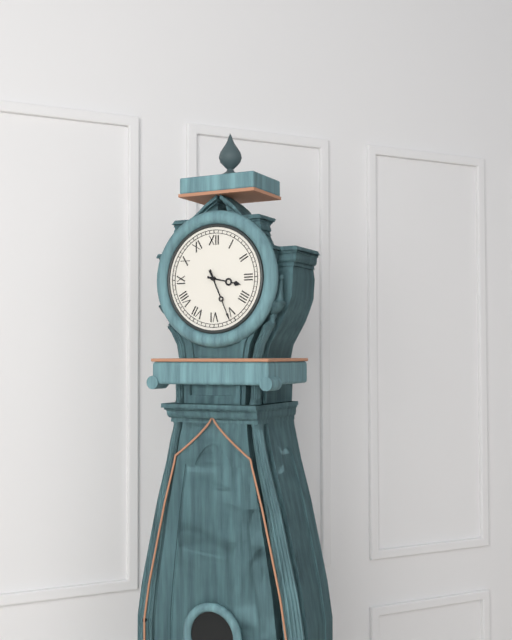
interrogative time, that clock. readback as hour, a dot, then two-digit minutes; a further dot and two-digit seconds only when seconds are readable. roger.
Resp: 3.26
